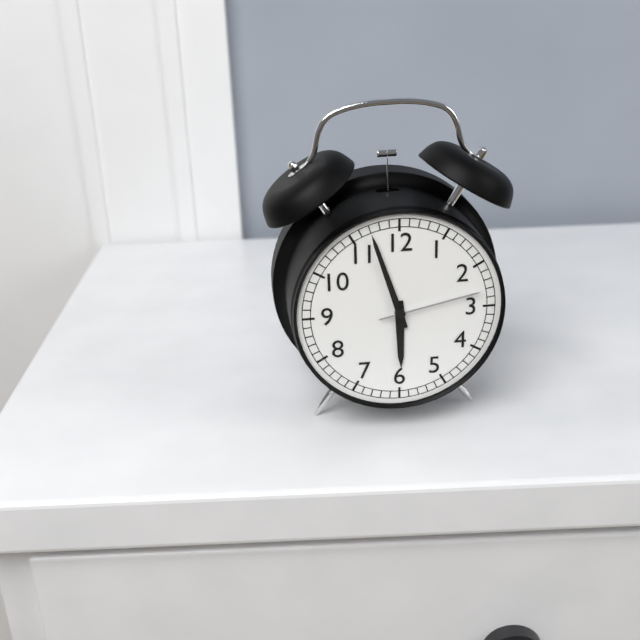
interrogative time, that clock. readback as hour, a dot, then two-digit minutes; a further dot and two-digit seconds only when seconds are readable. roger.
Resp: 5.57.13
